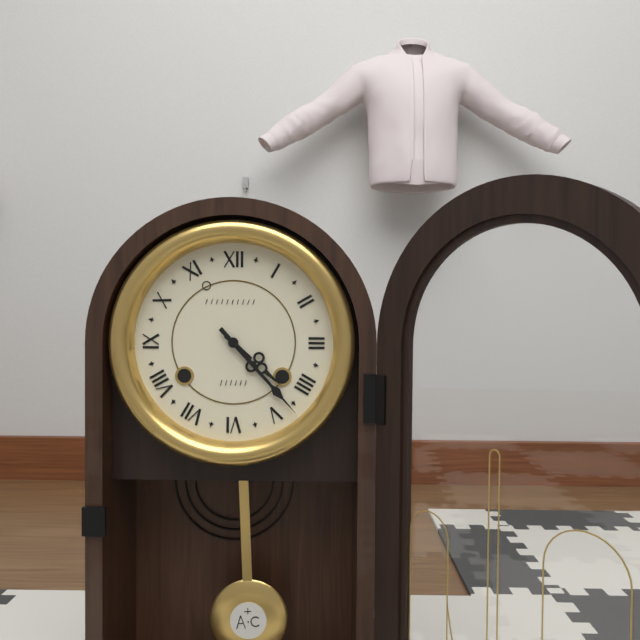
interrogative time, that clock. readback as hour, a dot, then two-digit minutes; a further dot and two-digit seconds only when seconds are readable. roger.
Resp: 4.23
